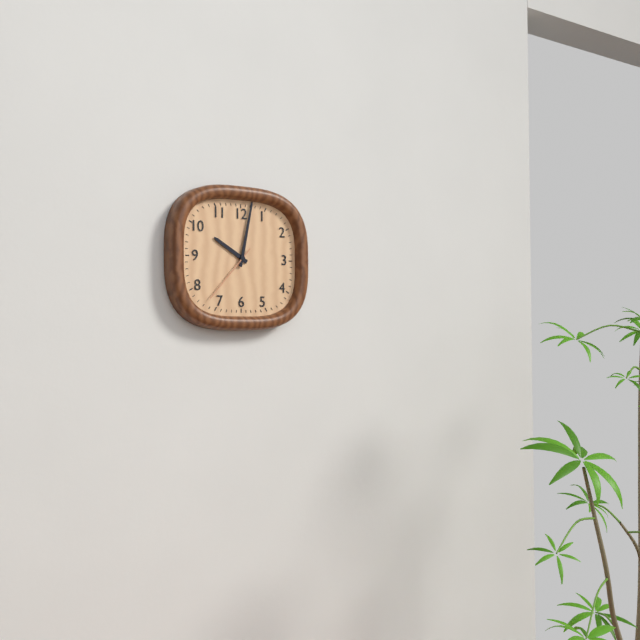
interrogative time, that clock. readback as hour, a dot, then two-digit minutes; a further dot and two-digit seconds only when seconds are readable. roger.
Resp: 10.02.37
